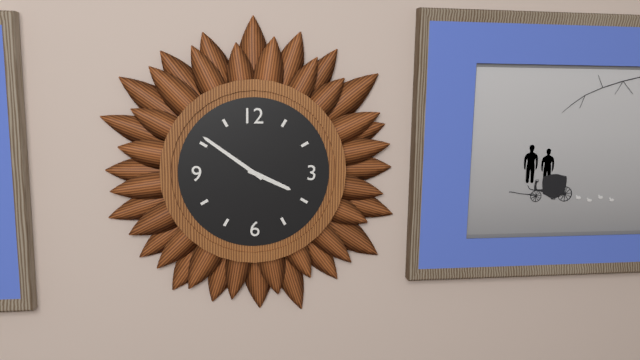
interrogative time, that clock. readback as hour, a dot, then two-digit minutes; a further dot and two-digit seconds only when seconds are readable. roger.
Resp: 3.51
